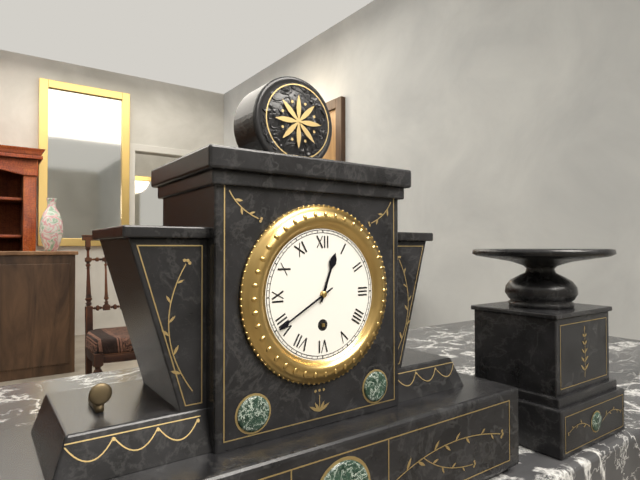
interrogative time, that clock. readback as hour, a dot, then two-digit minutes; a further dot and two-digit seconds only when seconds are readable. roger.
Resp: 12.40
